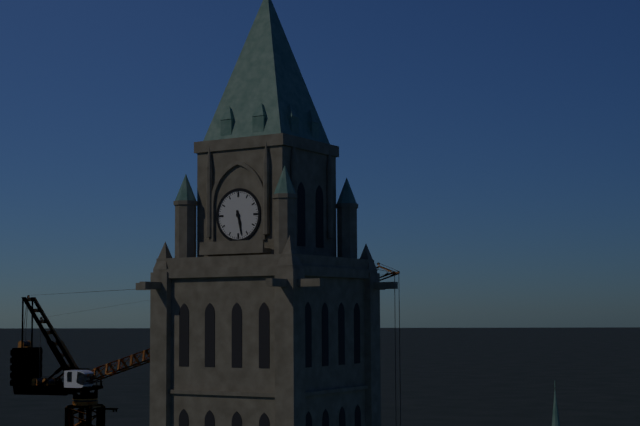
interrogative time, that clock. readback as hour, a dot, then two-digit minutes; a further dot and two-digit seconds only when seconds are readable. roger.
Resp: 5.28
